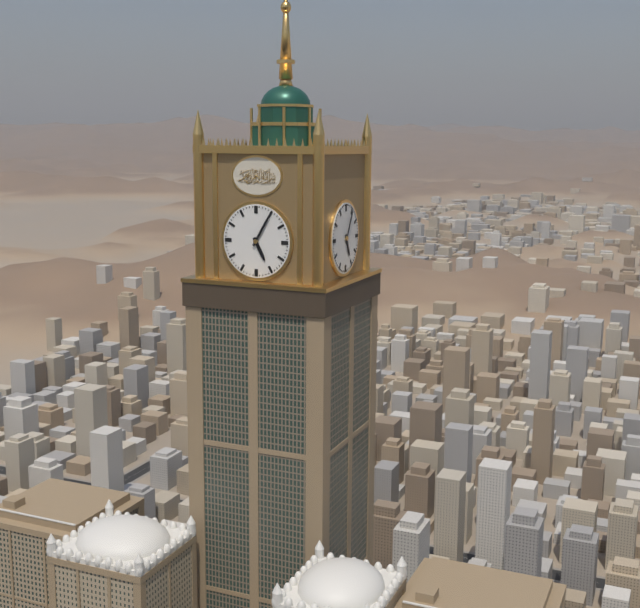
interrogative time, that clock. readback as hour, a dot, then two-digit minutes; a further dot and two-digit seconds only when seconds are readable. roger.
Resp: 5.05
